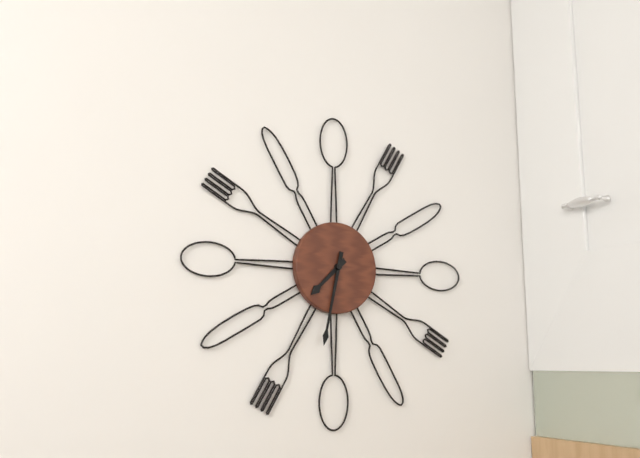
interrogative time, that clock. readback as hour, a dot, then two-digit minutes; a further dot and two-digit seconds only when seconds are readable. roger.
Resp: 7.32
